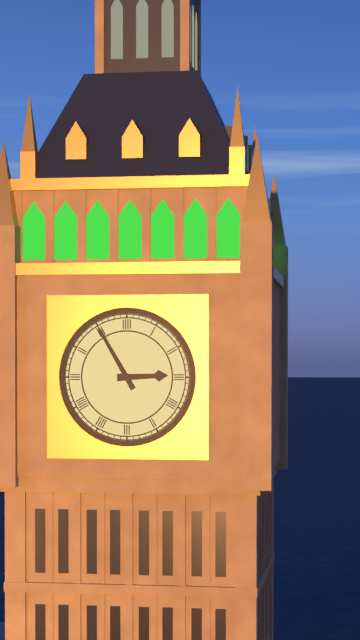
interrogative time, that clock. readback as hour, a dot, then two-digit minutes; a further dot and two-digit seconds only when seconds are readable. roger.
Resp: 2.55
